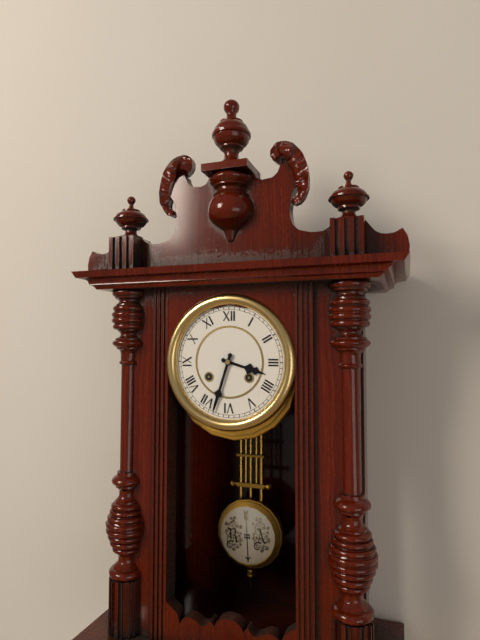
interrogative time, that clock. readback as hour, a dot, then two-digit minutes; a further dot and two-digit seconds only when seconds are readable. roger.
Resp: 3.33
